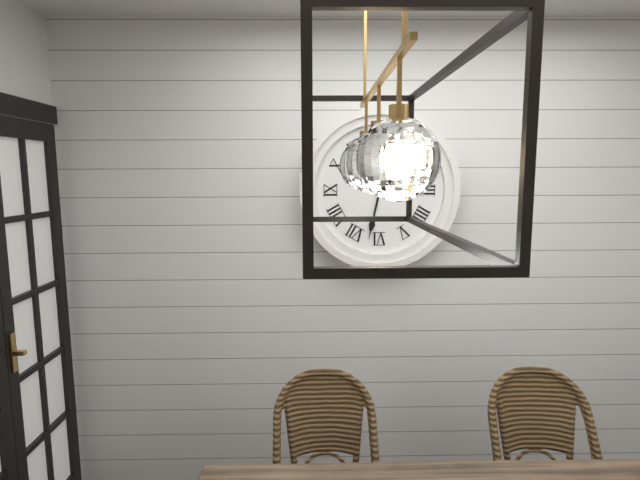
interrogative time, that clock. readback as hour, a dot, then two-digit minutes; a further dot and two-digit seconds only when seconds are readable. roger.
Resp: 2.32
